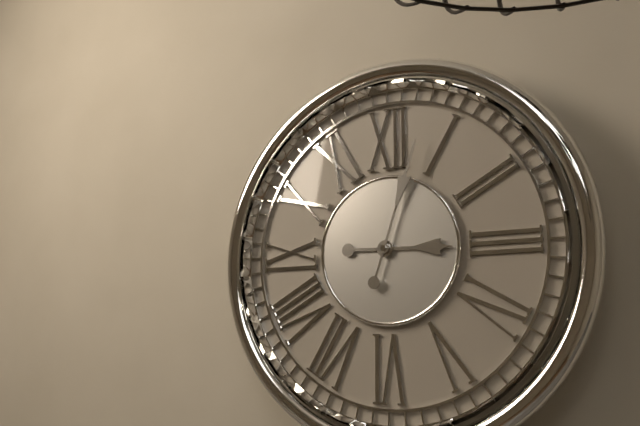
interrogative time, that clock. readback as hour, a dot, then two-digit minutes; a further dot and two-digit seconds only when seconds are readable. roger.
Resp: 3.03
